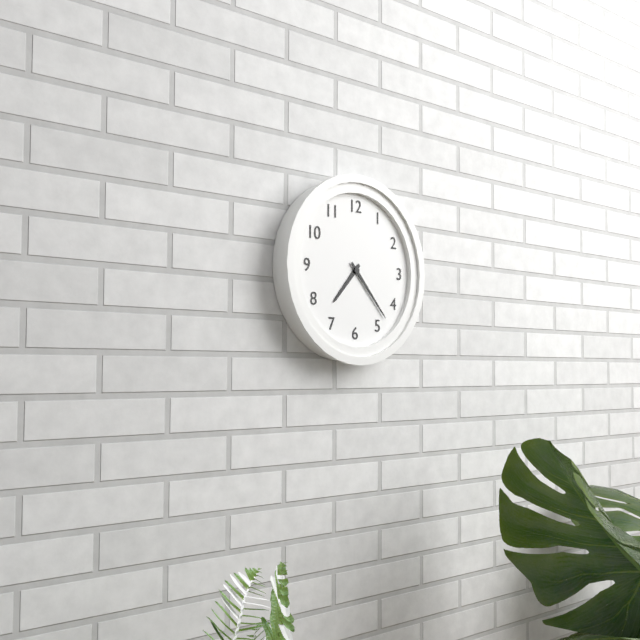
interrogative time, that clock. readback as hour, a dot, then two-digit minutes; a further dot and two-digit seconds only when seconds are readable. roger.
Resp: 7.23
